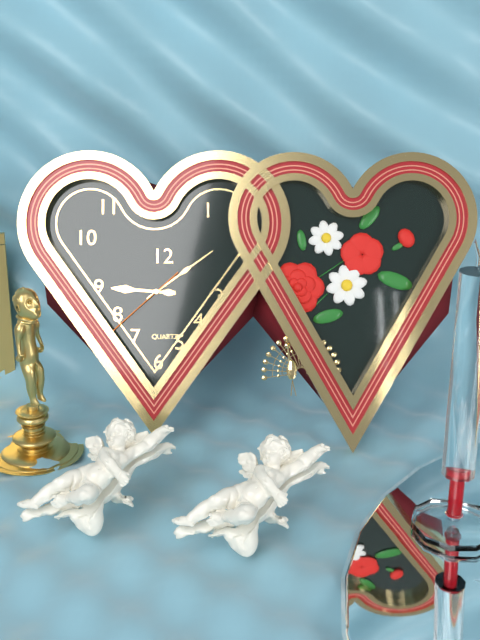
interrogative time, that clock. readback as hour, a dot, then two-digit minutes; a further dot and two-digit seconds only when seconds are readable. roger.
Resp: 9.09.38
